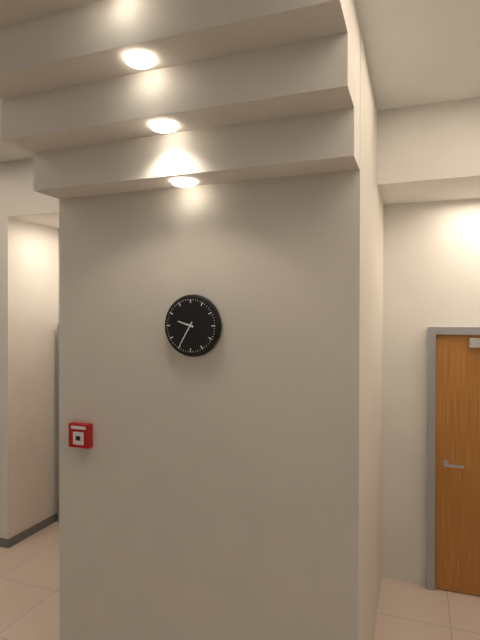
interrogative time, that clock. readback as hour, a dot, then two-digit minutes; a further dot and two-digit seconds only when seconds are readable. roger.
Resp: 9.35
